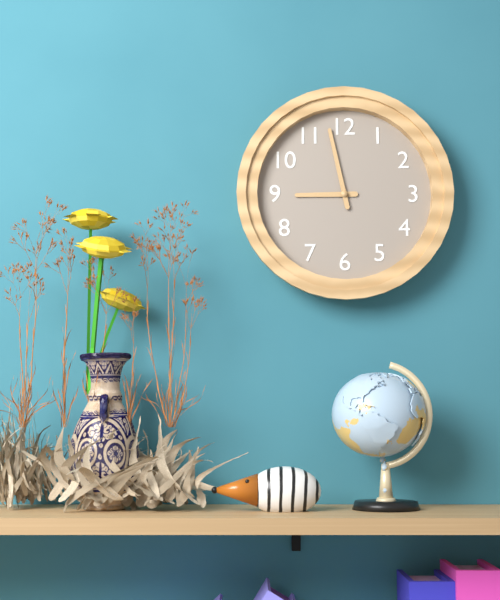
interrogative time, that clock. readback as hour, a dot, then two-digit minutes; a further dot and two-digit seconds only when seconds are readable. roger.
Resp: 8.58
